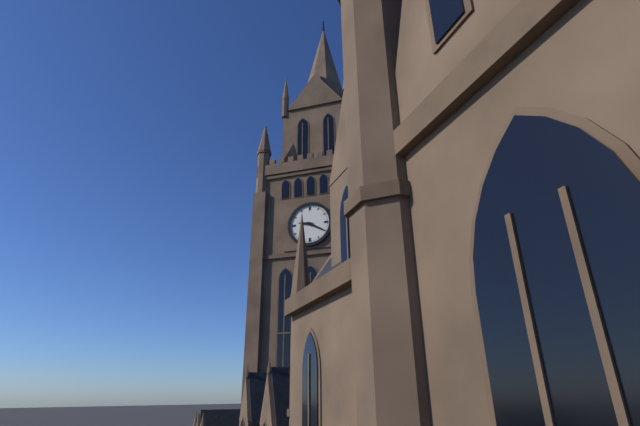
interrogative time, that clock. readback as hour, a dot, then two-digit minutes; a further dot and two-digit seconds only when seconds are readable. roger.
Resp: 9.20
